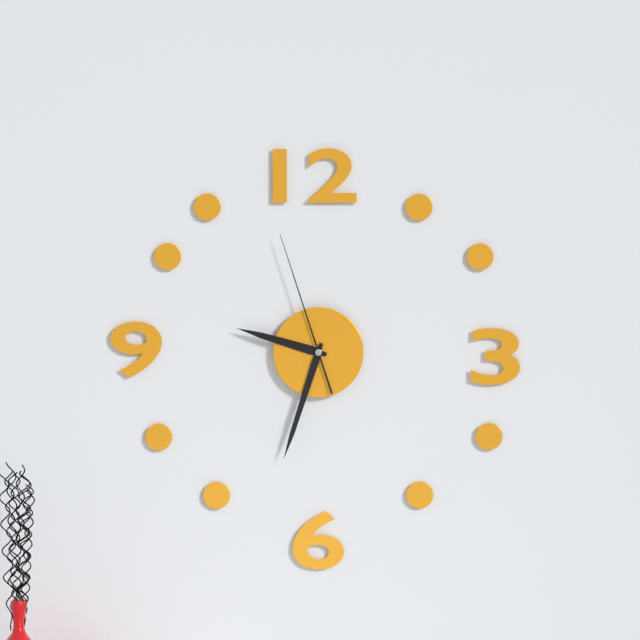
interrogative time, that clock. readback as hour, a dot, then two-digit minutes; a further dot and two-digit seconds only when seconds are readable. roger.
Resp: 9.33.57
